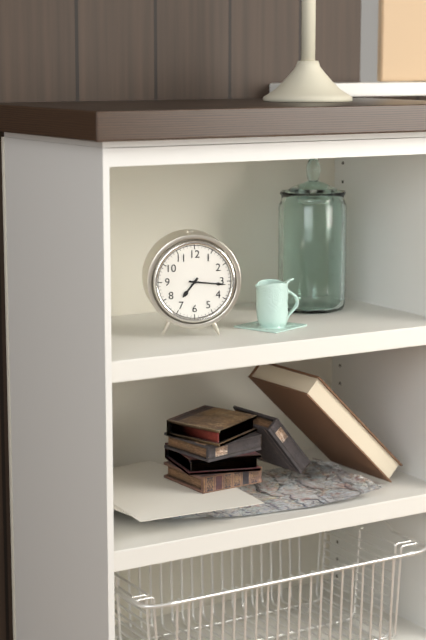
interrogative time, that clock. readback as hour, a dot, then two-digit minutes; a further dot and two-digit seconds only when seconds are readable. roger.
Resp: 7.16
